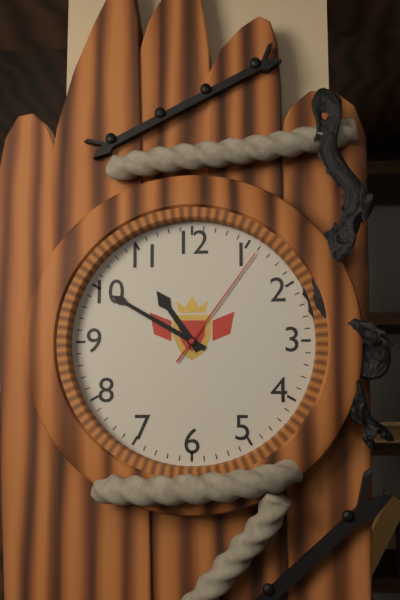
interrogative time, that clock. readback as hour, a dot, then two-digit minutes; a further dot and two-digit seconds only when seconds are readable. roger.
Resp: 10.50.06
